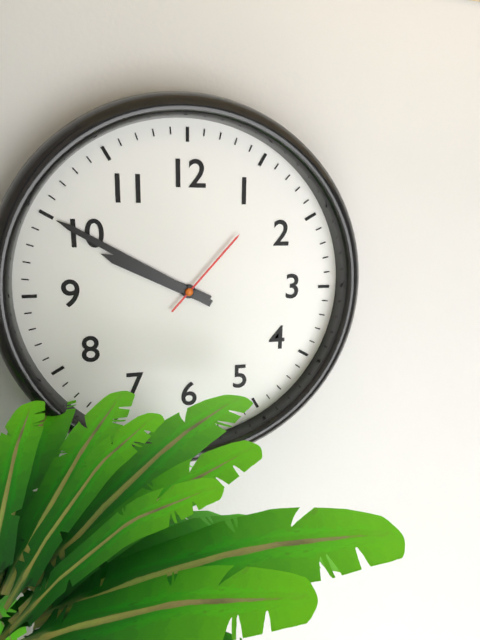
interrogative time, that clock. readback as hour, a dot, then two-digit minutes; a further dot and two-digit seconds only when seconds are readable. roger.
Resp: 9.50.07
